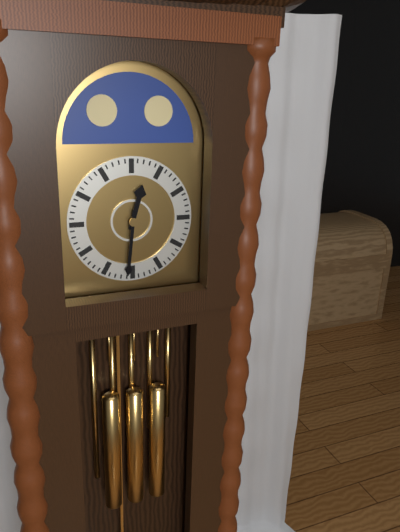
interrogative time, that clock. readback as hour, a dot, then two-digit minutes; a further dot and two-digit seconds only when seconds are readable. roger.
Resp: 12.31
